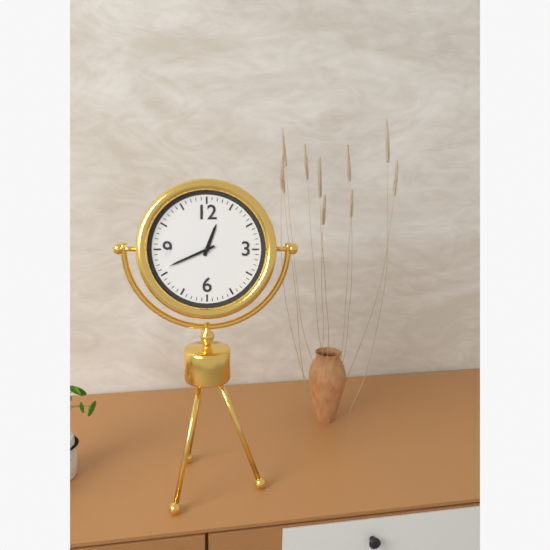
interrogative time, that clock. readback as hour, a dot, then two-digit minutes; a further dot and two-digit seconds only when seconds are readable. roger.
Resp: 12.41
